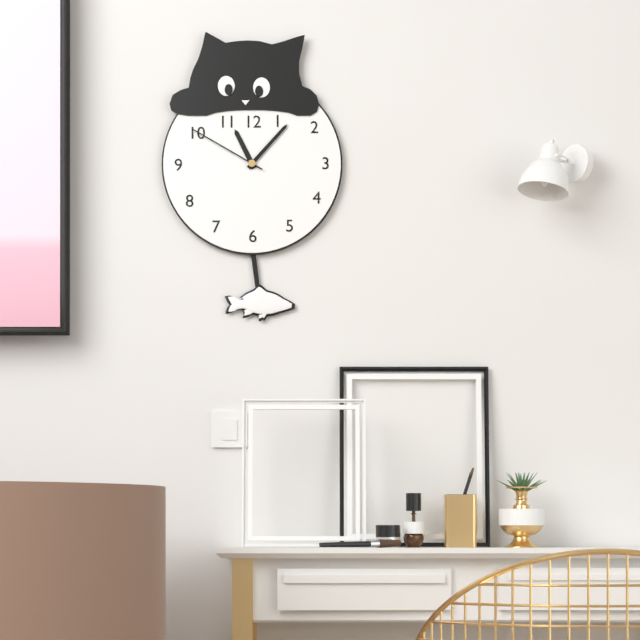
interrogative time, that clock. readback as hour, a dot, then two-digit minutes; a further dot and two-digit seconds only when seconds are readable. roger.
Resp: 11.07.50
